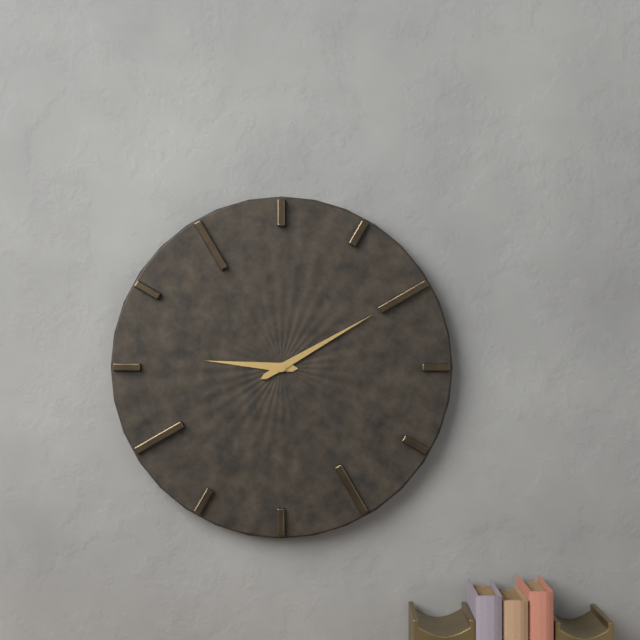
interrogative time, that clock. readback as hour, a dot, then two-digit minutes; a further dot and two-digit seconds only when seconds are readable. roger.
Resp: 9.10
